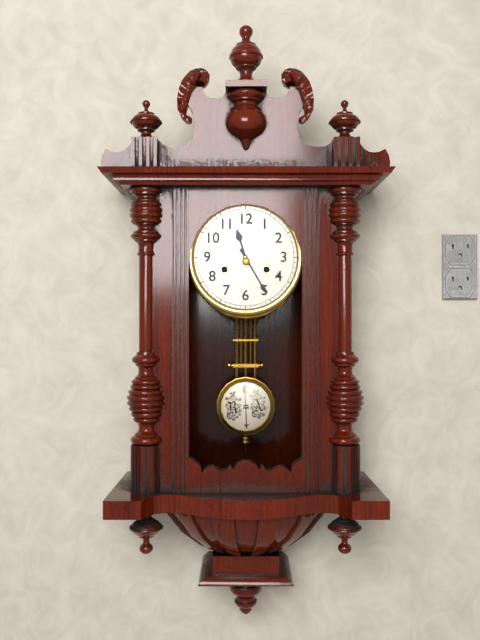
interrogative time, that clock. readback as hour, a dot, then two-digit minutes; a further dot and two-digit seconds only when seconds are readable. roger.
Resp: 11.25
